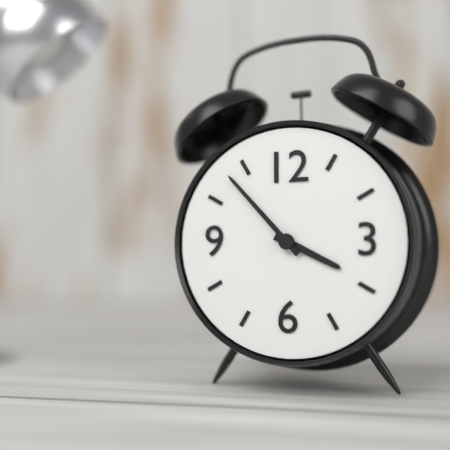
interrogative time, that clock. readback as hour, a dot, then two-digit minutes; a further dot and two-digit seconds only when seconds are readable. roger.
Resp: 3.53
